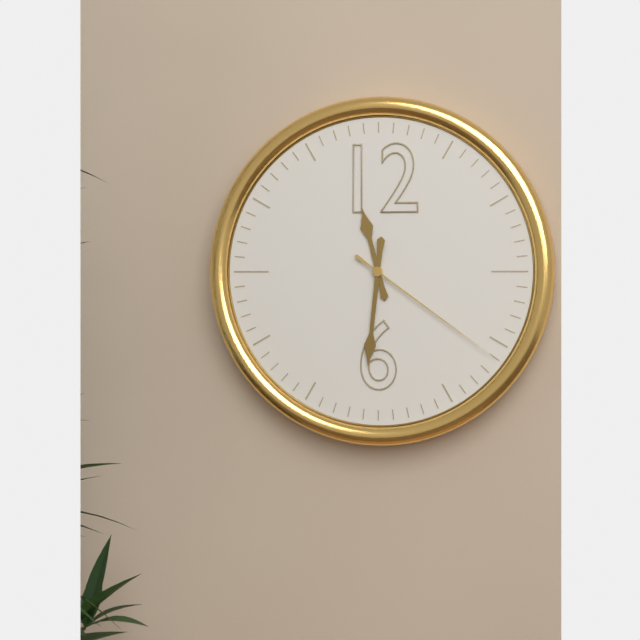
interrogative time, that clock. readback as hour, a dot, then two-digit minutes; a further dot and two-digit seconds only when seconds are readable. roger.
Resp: 11.31.21
